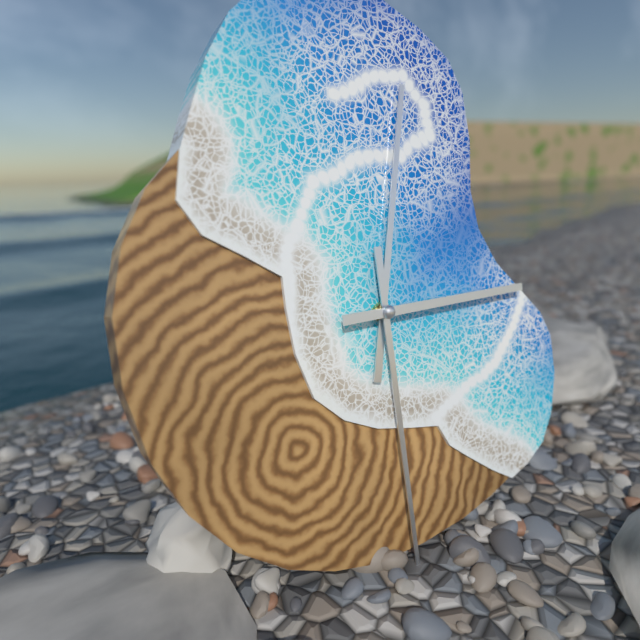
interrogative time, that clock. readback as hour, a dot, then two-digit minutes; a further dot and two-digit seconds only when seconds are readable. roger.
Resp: 12.30.15
